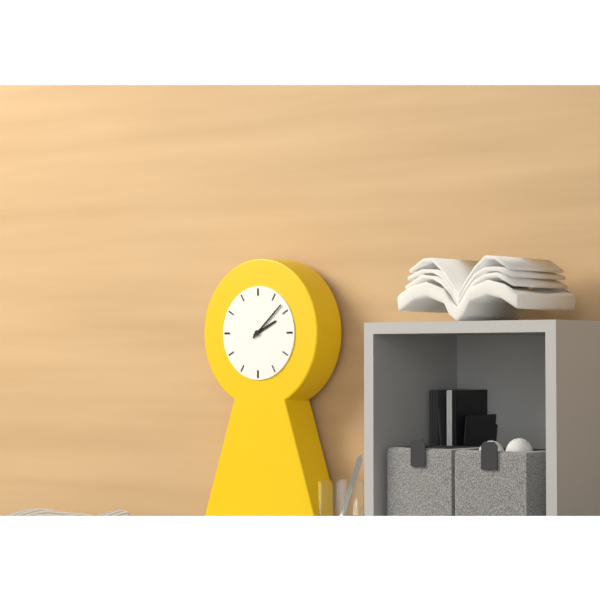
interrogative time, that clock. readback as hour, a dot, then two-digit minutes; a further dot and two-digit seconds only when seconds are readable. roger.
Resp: 2.08
